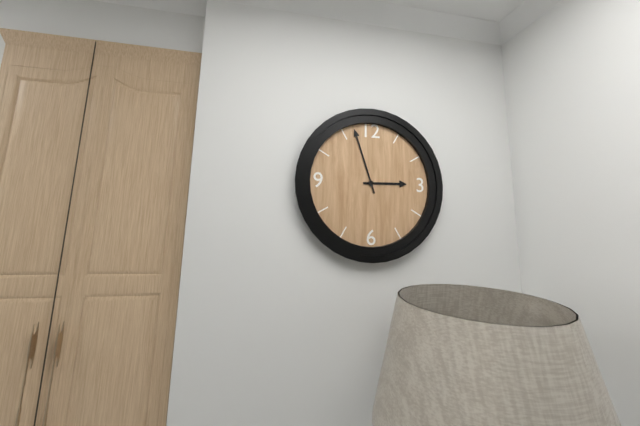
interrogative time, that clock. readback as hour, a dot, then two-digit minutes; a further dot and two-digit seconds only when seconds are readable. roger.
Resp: 2.57
